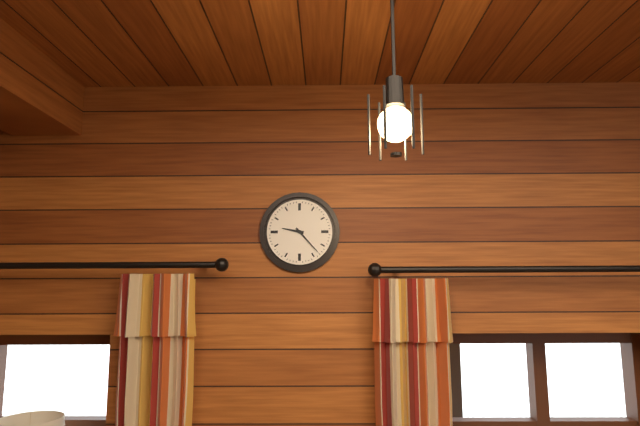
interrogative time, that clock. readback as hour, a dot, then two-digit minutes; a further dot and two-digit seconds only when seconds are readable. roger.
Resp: 9.23
